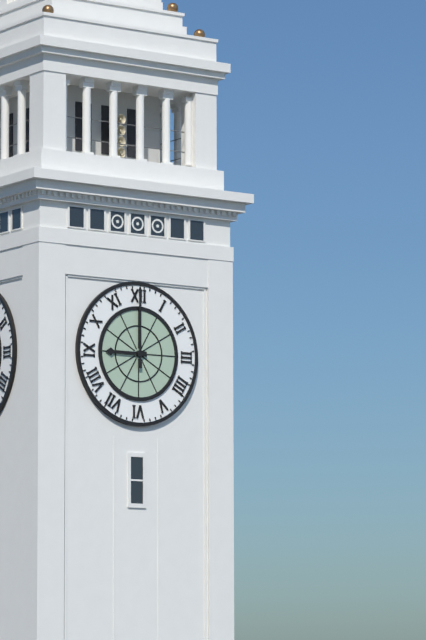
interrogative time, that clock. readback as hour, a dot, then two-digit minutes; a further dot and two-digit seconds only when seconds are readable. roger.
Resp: 9.00
